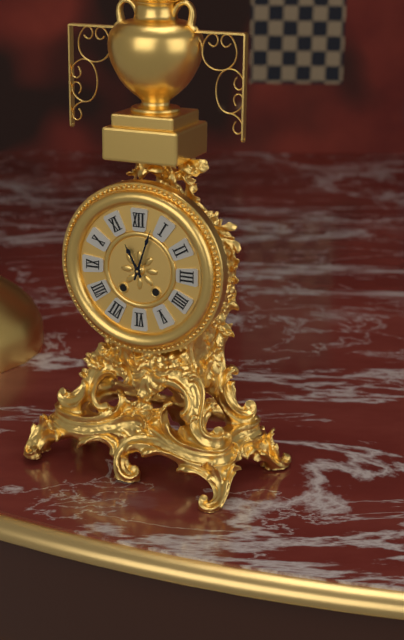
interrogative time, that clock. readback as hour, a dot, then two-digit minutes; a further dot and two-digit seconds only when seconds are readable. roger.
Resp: 11.03
